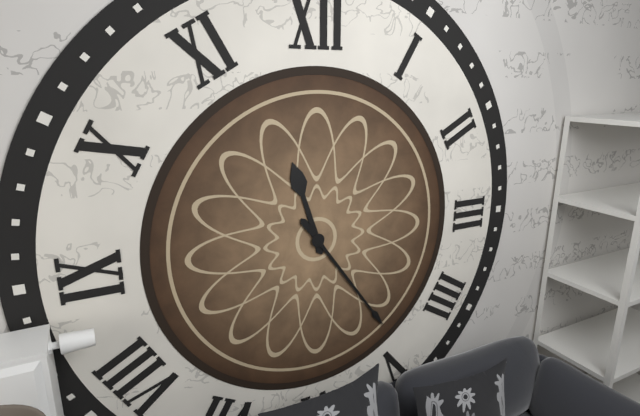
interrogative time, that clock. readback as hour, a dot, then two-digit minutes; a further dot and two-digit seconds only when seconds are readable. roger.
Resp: 11.24
